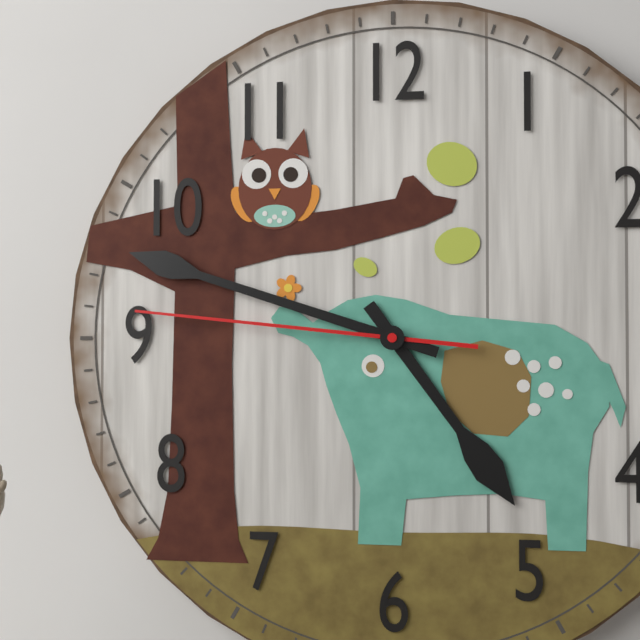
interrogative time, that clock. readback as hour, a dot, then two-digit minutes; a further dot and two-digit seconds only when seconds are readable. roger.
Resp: 4.48.46
